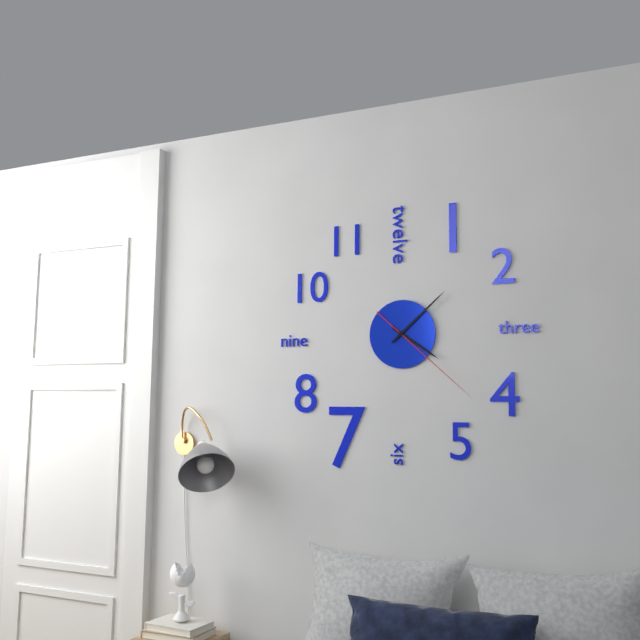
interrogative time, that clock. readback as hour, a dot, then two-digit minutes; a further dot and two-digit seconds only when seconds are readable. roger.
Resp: 4.08.22
